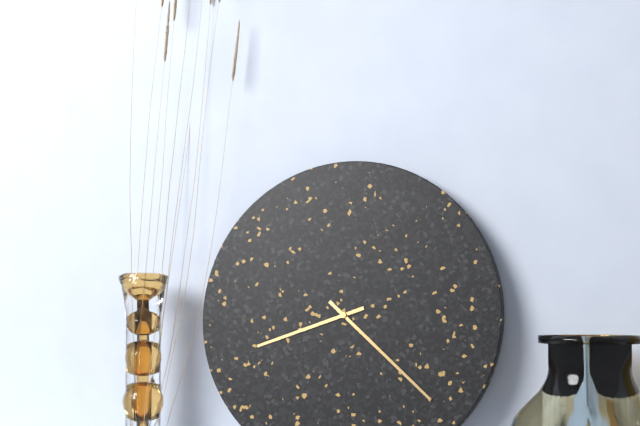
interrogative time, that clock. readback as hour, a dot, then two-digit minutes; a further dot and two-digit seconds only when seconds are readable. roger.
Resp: 8.22
